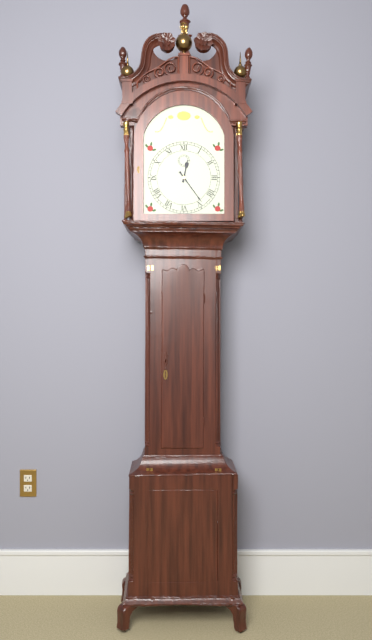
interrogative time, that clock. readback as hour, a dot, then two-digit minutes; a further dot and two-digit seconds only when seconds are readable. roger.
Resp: 12.24
